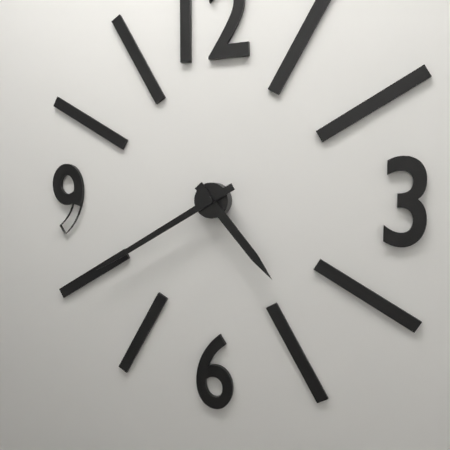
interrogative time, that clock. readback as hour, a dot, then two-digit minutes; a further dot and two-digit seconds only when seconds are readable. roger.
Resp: 4.40
